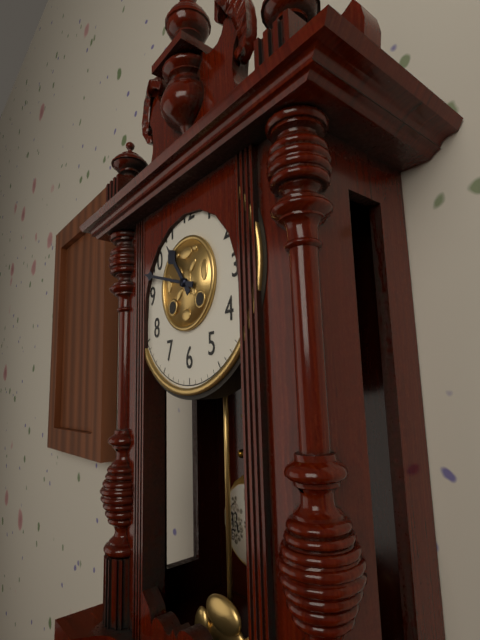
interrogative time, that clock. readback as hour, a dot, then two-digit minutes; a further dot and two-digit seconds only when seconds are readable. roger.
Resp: 10.48
